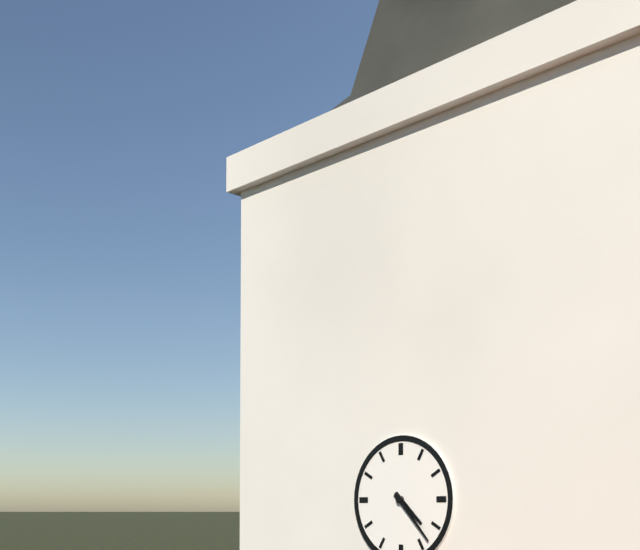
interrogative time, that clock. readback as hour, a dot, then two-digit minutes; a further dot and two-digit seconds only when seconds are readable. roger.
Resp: 4.23
